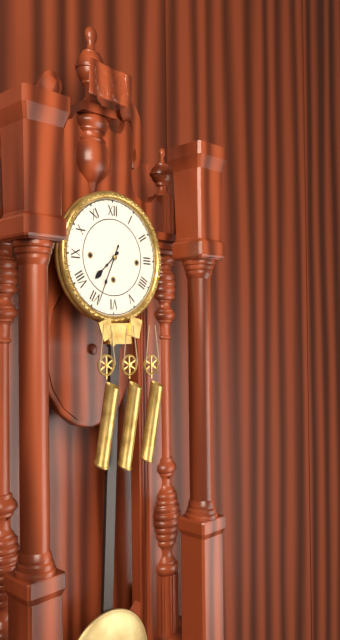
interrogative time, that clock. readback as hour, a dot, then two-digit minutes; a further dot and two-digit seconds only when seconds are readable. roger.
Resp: 7.34
